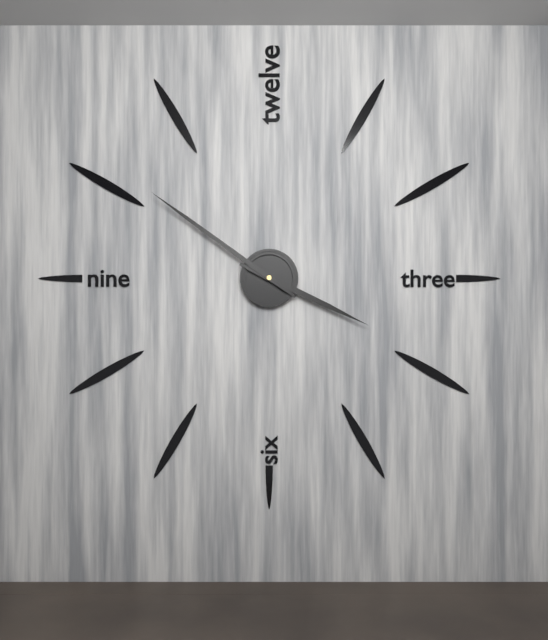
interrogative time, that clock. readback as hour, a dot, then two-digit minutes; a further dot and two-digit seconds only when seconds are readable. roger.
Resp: 3.51
